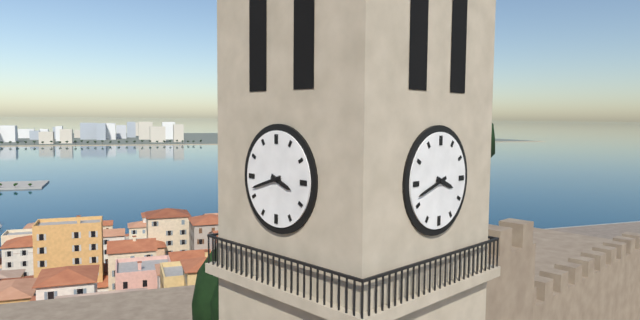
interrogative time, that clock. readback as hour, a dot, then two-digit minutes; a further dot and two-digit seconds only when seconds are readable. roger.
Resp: 3.42
